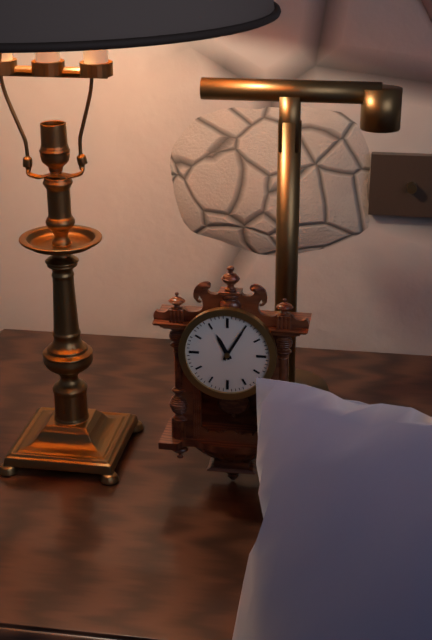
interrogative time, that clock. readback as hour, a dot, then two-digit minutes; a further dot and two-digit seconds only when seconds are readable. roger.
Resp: 11.05
